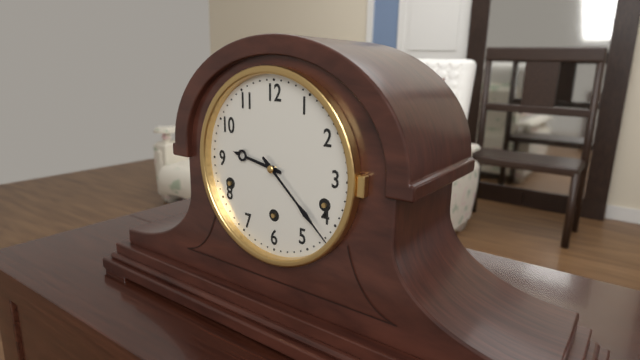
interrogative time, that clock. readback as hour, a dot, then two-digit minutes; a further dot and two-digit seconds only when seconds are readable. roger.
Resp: 9.22
